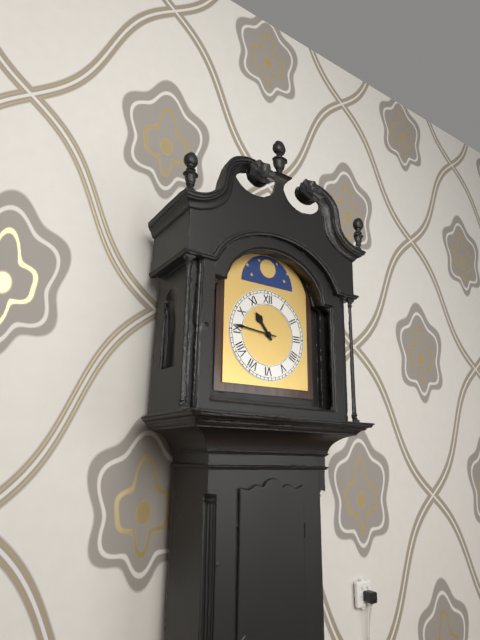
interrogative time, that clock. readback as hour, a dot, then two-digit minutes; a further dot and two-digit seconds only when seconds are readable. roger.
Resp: 10.46
